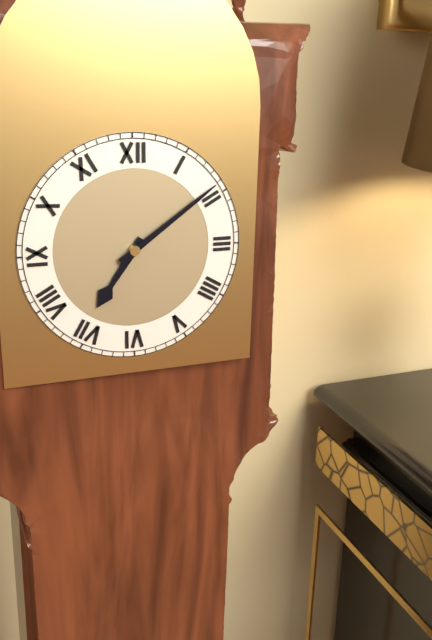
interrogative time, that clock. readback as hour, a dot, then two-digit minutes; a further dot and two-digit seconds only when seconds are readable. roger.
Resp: 7.09
